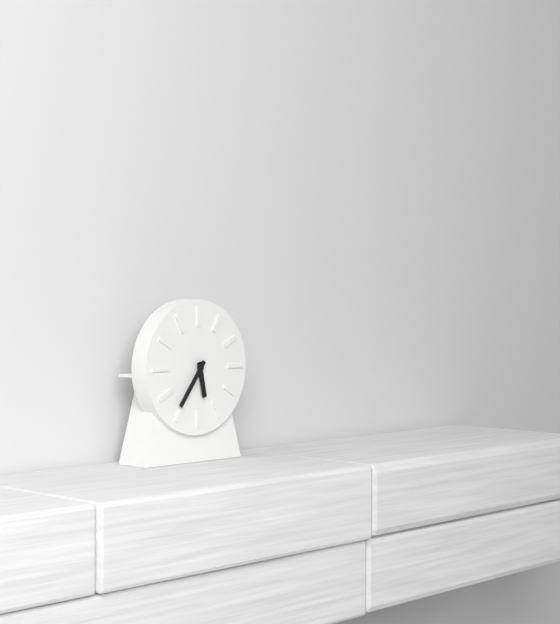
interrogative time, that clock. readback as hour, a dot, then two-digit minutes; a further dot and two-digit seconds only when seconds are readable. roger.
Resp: 5.36
